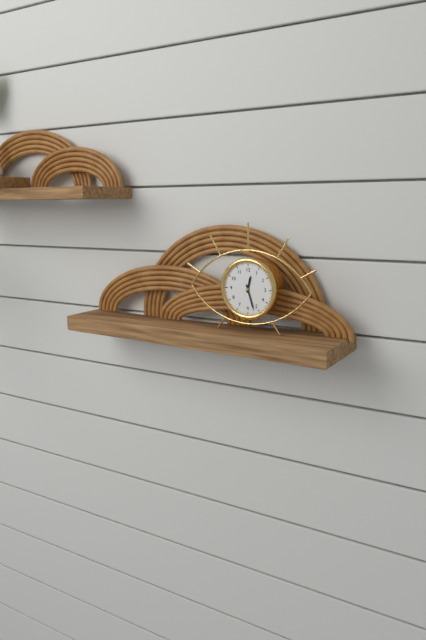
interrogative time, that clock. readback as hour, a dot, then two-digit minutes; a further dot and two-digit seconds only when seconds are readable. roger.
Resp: 12.27
